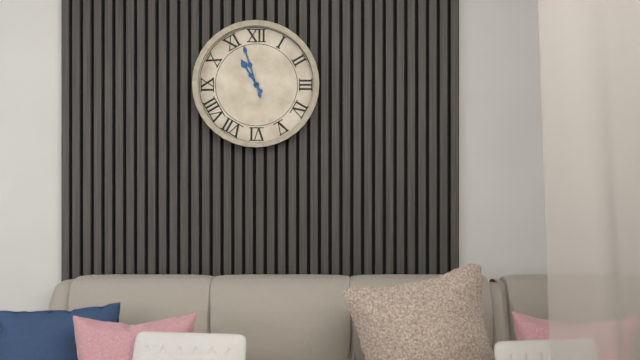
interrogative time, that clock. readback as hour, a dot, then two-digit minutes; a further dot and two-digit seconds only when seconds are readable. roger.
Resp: 10.57
